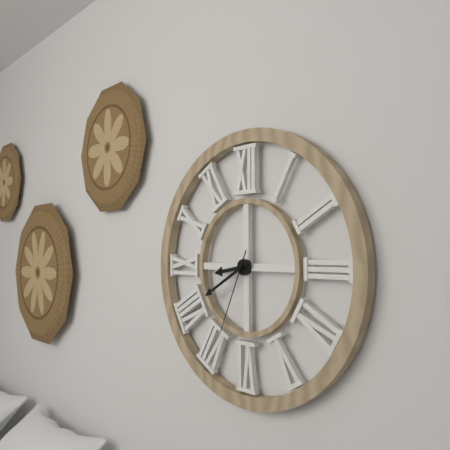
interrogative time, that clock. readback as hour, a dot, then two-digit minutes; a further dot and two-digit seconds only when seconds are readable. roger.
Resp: 8.40.34
